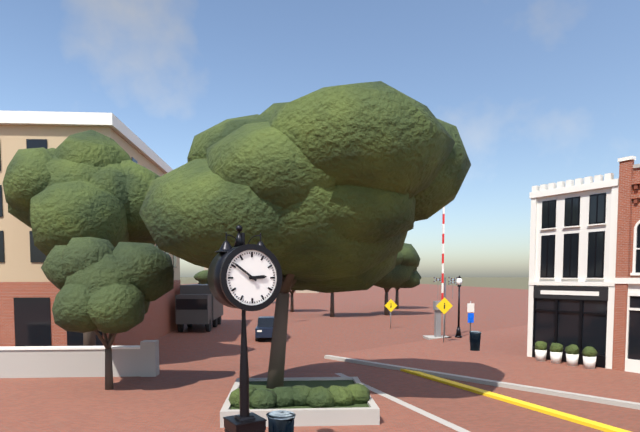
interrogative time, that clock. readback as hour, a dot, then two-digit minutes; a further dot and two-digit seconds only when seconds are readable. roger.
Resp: 2.51
